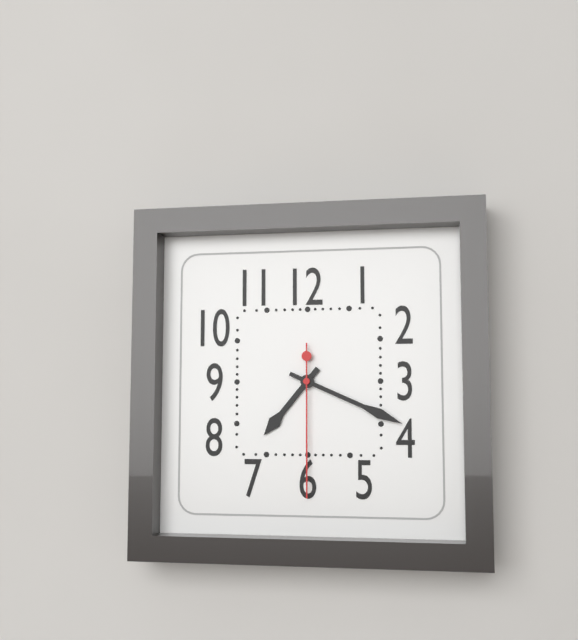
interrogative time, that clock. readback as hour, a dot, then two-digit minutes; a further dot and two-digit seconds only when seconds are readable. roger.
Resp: 7.19.30
